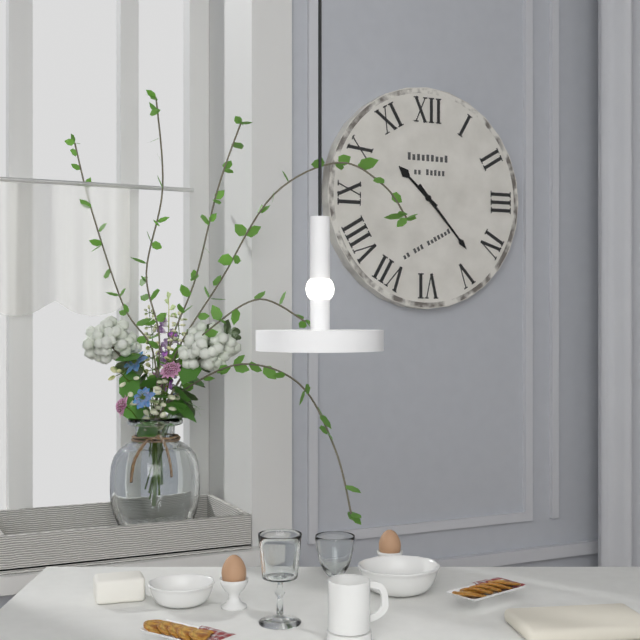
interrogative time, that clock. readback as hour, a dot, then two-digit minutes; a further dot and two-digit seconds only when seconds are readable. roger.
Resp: 10.23
